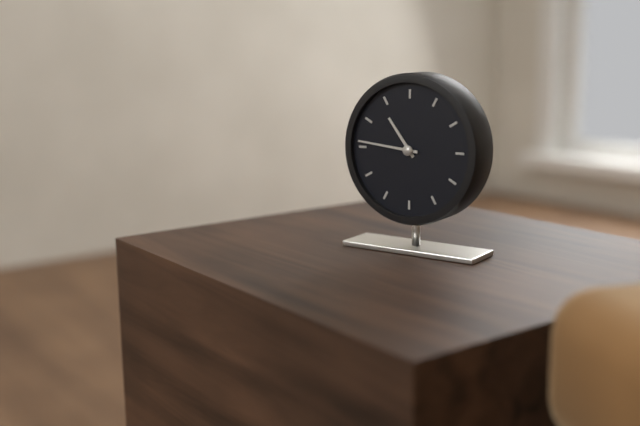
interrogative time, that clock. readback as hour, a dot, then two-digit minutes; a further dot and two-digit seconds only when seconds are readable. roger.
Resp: 10.46
